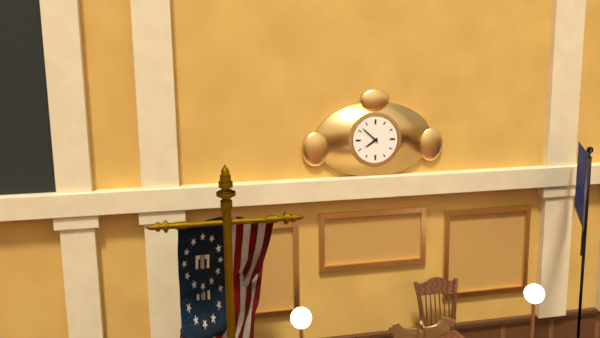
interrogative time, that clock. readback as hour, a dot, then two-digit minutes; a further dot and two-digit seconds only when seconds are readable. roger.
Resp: 7.52
